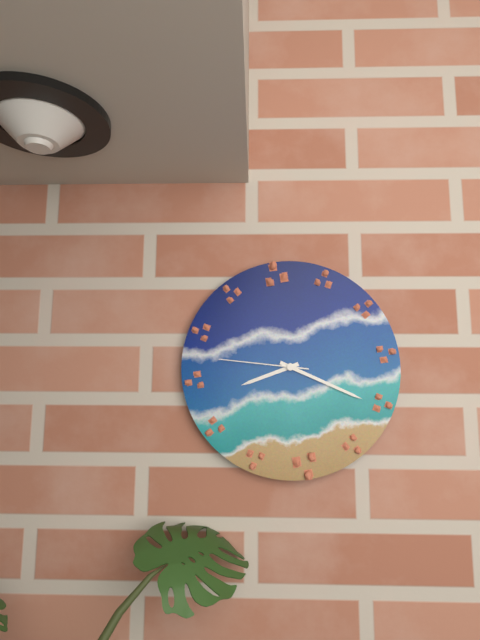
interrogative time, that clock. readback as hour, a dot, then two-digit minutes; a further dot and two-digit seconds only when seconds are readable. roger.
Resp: 8.19.46
